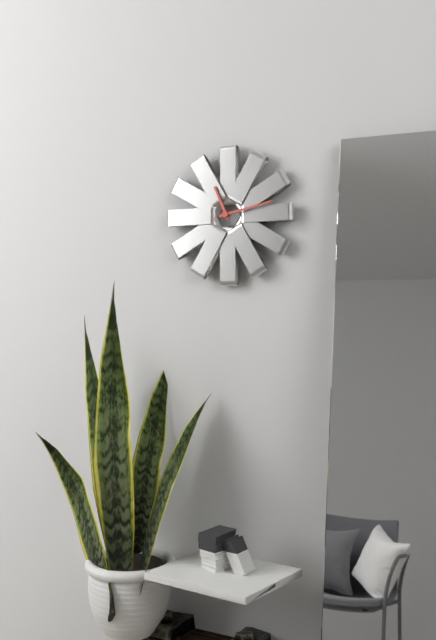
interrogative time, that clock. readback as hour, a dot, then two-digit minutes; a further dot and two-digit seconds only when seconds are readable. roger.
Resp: 11.13
